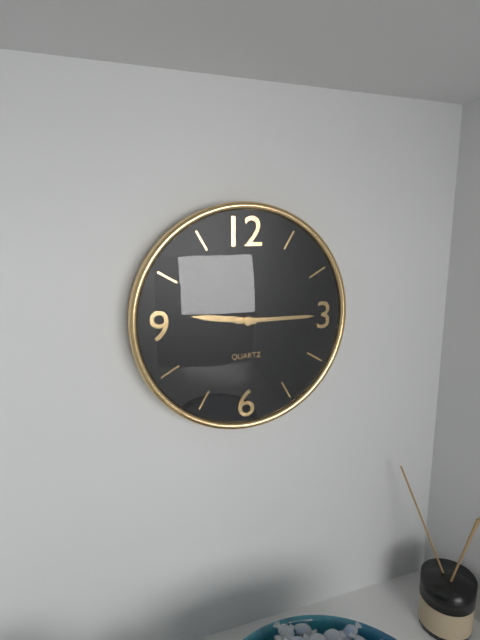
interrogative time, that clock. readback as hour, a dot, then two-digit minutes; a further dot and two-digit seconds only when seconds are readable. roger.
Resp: 9.15
